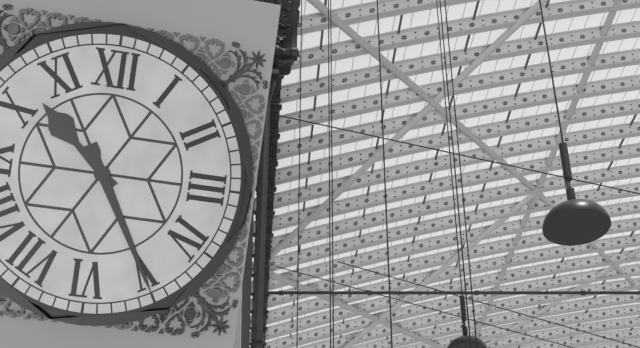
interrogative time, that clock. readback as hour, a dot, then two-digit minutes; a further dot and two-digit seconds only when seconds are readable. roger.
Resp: 10.25
